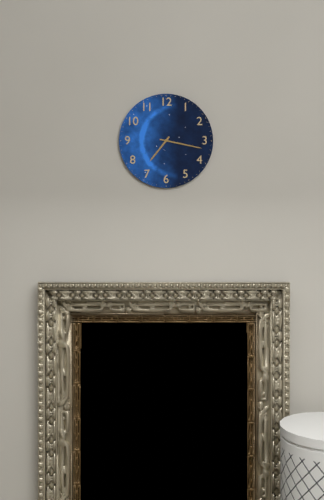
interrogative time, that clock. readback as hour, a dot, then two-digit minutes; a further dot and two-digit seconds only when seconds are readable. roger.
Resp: 7.17
